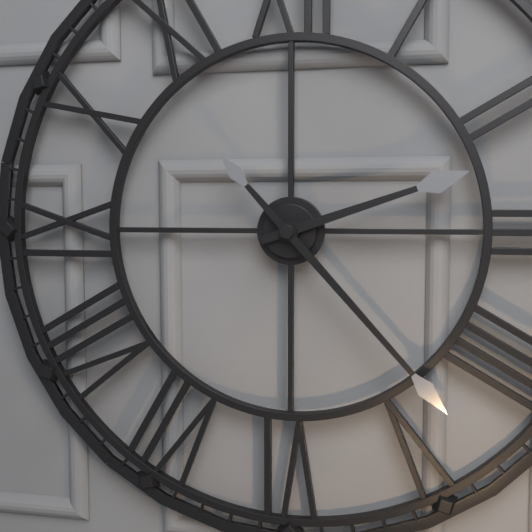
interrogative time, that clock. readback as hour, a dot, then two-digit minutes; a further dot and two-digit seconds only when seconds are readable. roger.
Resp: 2.23
